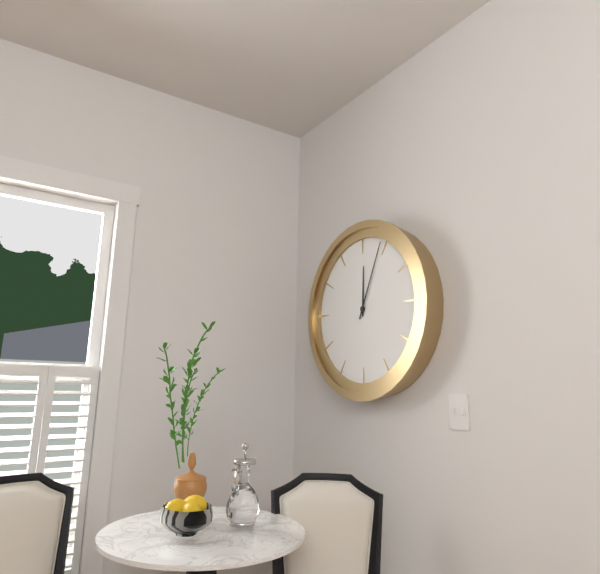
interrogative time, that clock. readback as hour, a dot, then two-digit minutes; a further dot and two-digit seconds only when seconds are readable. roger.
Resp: 12.04
